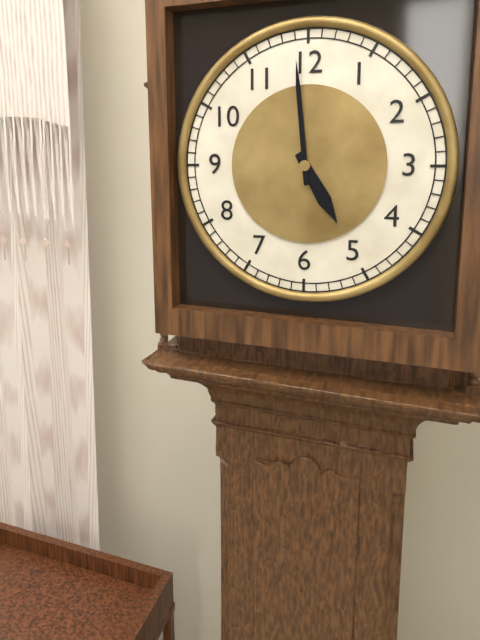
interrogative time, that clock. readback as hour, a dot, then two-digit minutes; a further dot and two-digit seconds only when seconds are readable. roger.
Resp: 4.59
